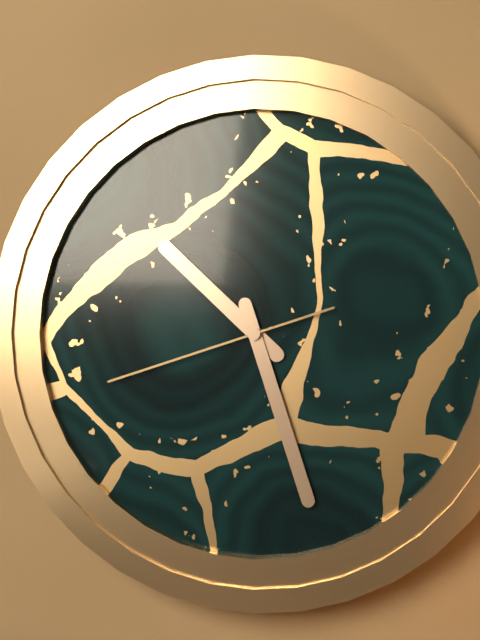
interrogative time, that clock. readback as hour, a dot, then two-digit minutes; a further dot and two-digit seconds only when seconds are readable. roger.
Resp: 10.27.42
